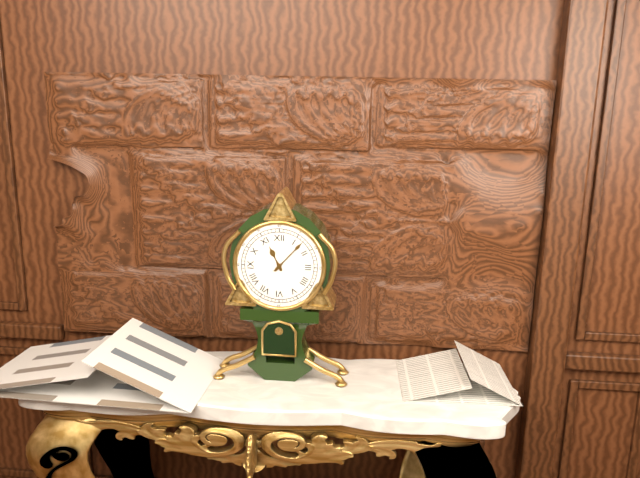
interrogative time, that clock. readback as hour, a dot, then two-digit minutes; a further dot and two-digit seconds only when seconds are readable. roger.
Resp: 11.07
